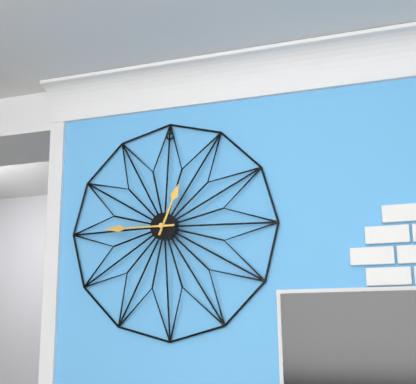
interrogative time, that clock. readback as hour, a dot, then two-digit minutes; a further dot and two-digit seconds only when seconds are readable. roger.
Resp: 12.45
